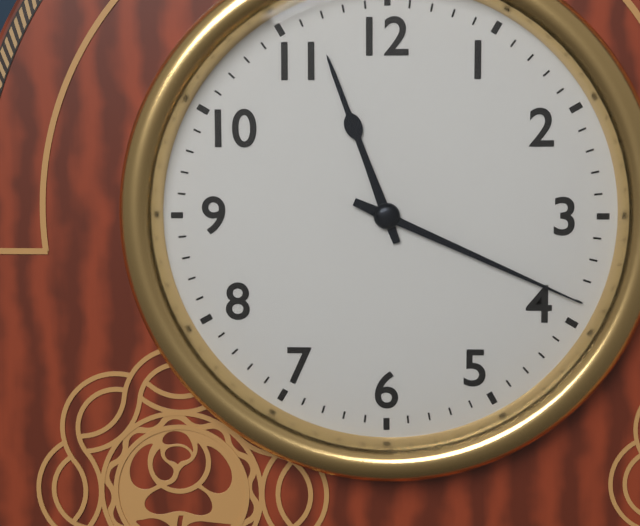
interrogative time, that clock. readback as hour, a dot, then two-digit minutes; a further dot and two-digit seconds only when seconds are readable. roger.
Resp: 11.19
